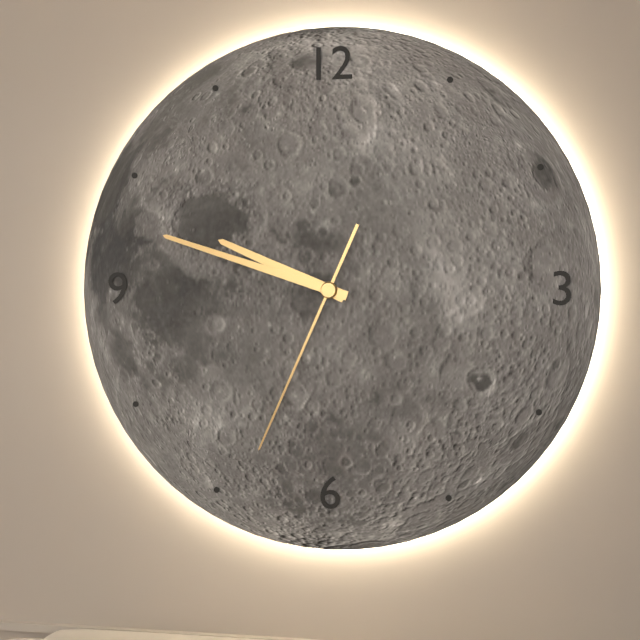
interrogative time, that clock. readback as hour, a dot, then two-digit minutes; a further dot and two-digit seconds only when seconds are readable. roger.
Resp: 9.48.34
